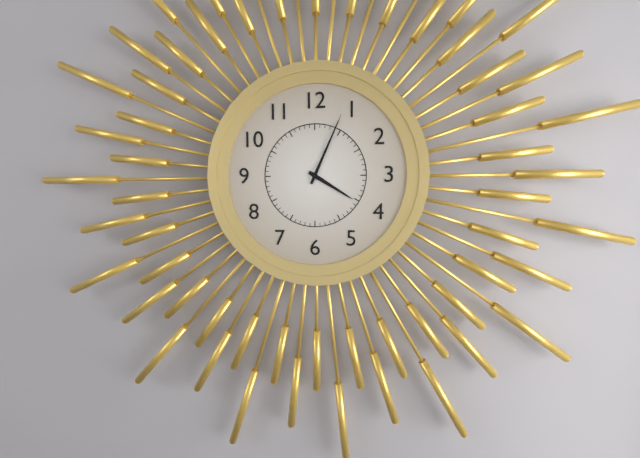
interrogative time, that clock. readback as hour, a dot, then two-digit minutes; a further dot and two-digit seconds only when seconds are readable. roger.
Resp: 4.04
